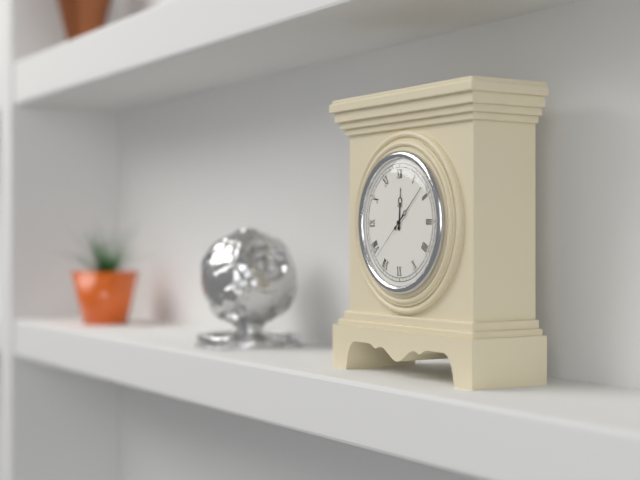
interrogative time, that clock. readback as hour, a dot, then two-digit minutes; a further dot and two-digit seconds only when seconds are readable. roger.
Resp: 12.08.38
